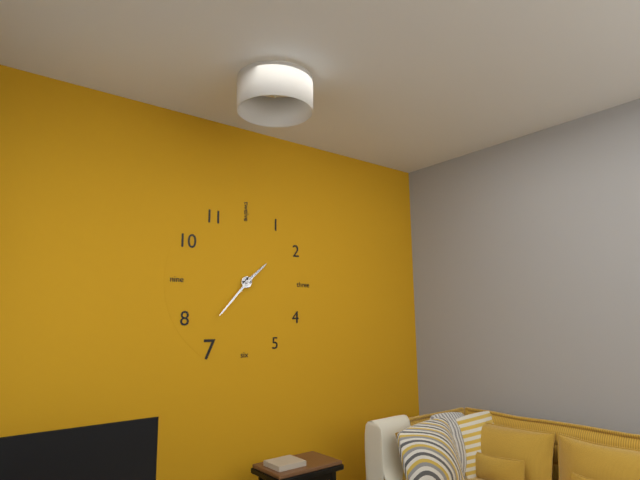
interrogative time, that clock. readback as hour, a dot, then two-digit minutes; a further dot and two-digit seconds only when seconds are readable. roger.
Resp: 1.37
